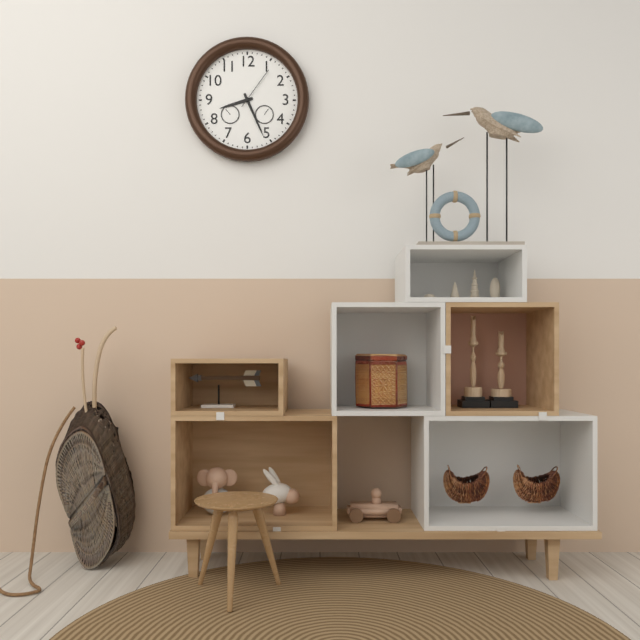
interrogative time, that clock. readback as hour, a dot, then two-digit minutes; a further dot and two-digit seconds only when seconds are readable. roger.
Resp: 8.26
